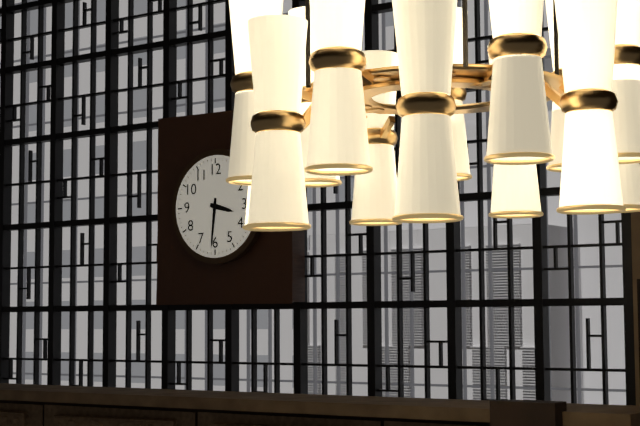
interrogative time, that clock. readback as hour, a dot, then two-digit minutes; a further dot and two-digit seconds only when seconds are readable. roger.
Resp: 3.31
